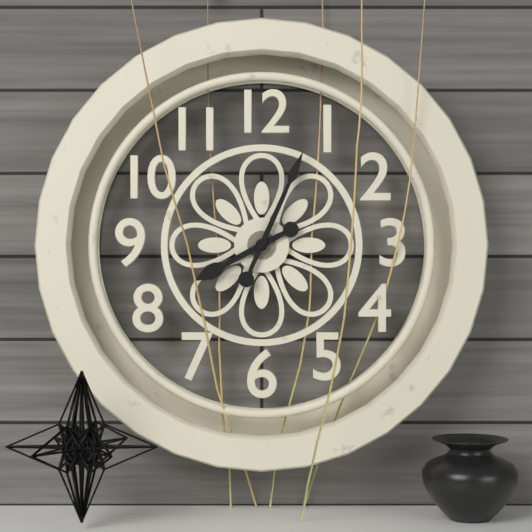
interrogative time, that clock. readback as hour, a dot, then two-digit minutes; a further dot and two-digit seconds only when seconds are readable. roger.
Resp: 8.04
